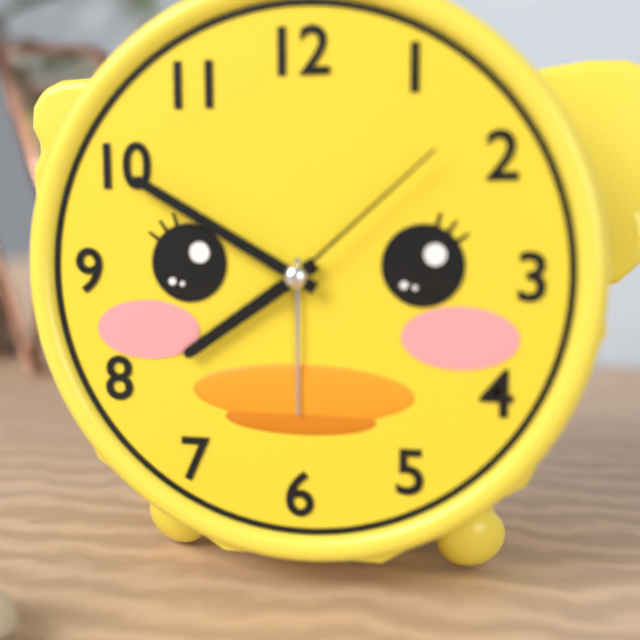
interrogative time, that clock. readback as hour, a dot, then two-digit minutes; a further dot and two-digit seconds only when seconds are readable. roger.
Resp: 7.50.08
